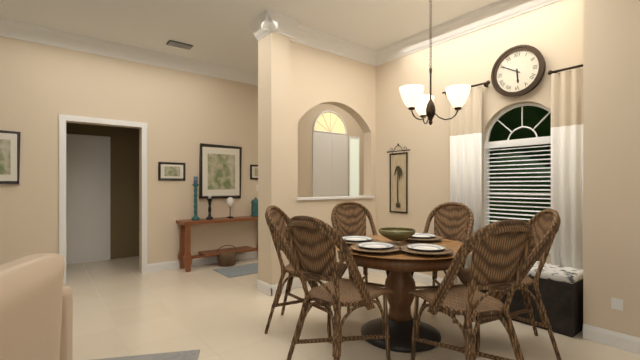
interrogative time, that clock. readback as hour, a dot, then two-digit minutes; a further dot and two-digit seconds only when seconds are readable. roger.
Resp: 5.50
